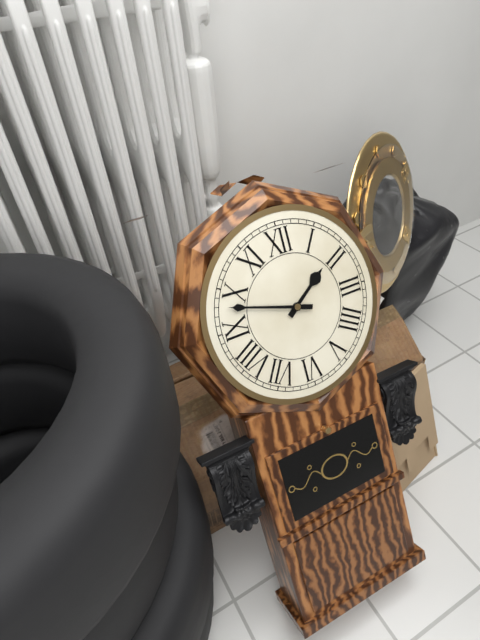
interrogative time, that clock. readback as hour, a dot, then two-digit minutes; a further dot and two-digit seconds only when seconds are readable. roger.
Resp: 1.48
